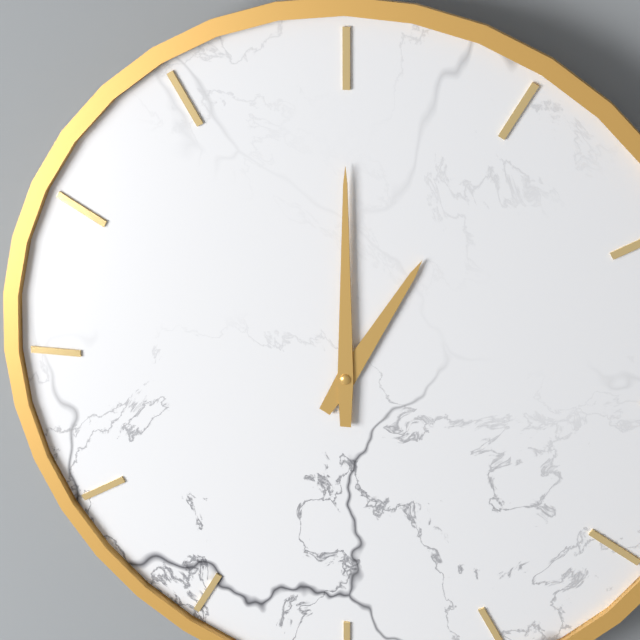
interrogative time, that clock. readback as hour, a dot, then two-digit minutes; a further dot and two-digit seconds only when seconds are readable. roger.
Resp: 1.00
